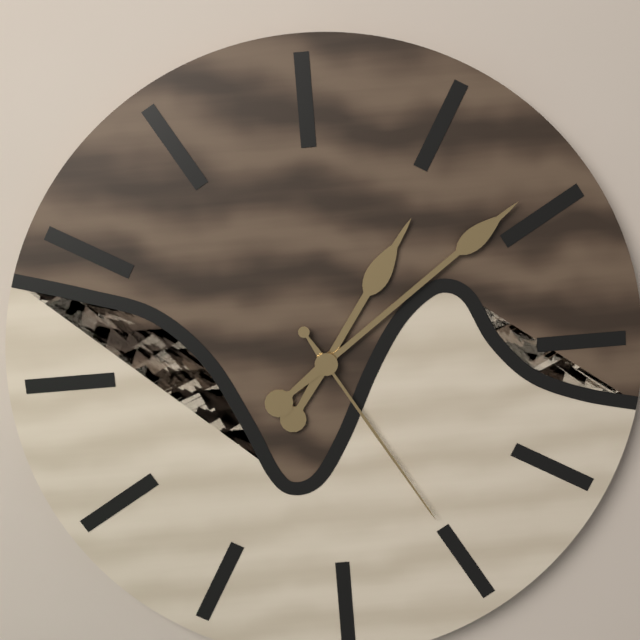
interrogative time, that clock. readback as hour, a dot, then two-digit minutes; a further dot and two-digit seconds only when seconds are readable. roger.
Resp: 1.09.25
